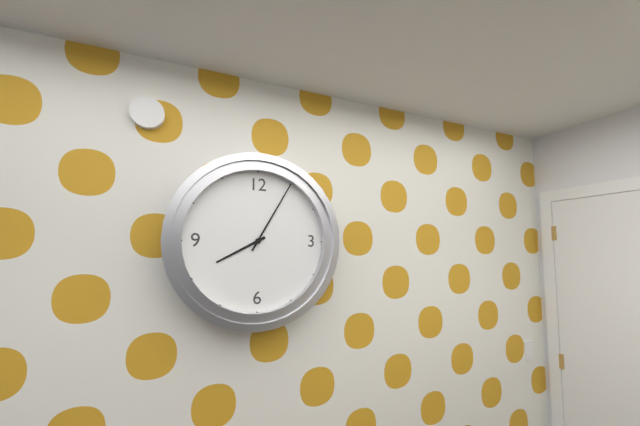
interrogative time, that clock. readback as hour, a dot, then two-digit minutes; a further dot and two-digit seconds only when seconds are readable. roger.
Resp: 8.05
